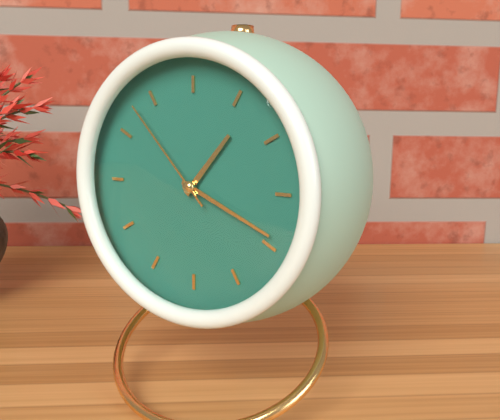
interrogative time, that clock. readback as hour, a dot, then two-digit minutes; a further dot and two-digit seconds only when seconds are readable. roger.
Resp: 1.19.53
